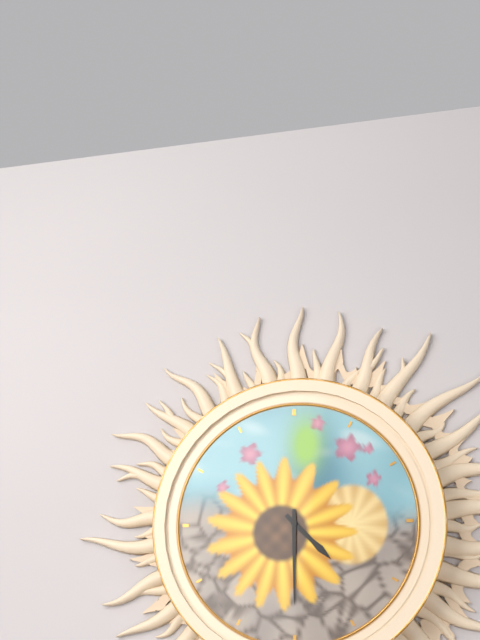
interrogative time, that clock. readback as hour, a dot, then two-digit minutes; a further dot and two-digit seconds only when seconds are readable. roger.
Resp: 4.30
